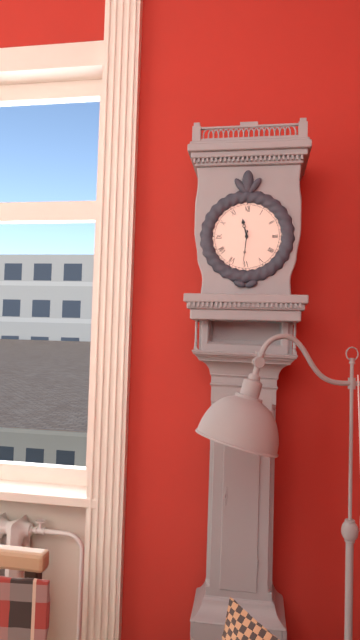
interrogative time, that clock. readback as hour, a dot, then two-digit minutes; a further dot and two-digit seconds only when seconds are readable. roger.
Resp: 11.31
